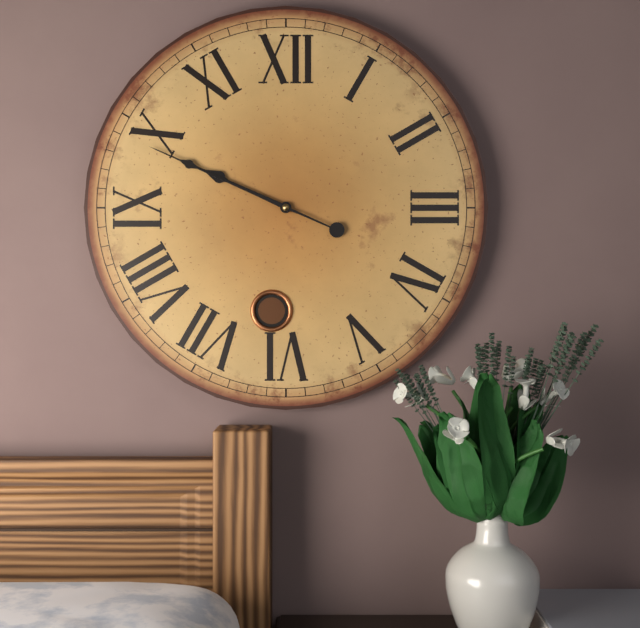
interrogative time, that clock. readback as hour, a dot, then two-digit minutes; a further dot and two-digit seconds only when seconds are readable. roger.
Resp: 9.49
